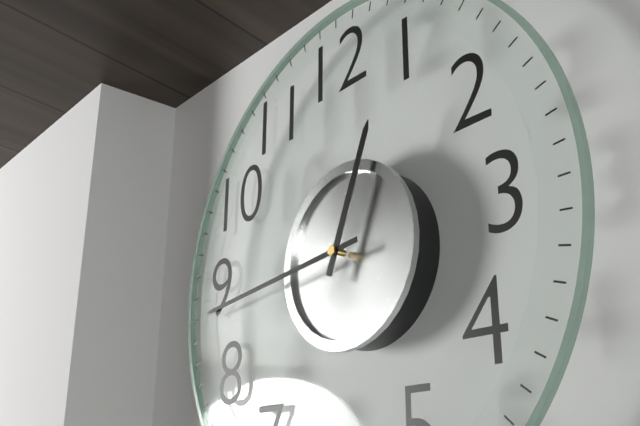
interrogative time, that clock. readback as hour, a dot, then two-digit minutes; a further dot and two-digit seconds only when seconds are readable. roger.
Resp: 12.44
